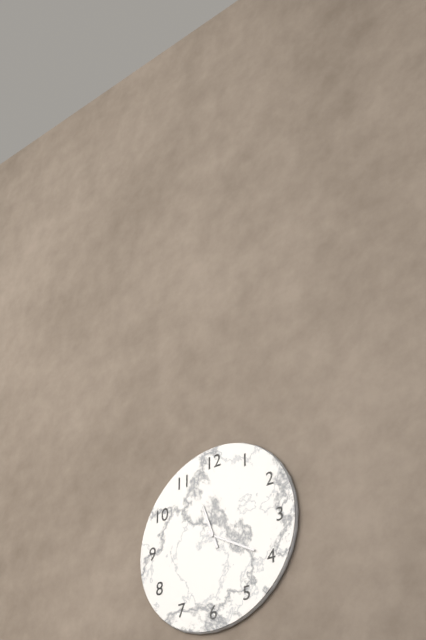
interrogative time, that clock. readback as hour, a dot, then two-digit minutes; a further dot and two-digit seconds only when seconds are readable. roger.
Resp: 11.20
